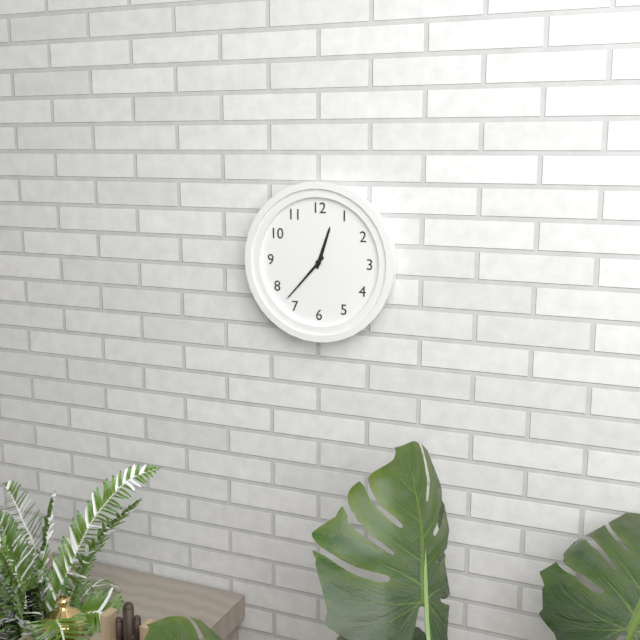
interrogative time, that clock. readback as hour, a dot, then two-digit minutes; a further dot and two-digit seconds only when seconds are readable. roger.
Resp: 12.37
